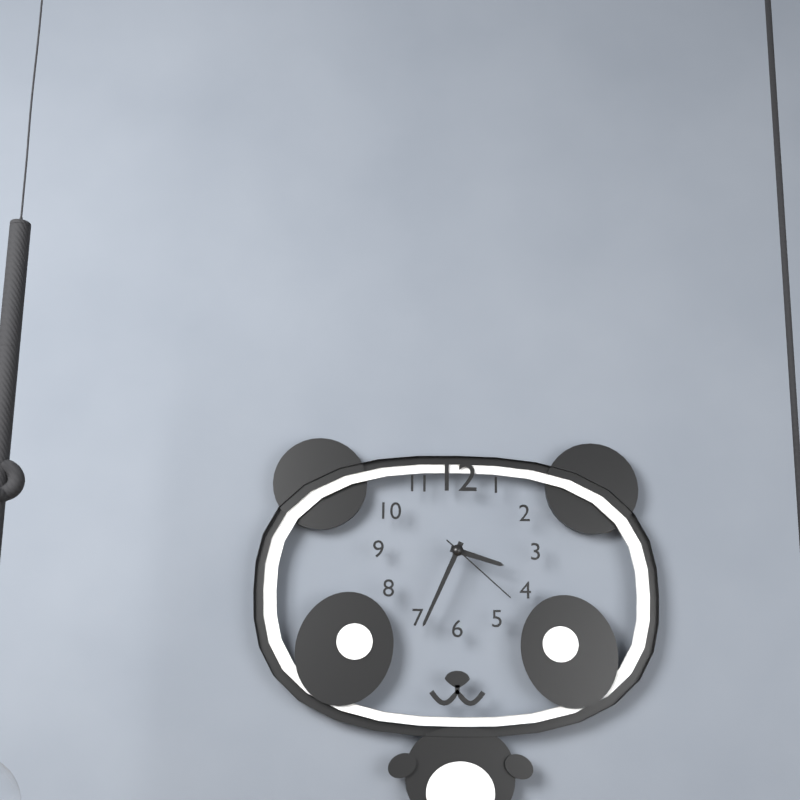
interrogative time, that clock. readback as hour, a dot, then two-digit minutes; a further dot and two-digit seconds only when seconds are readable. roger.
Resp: 3.34.22
